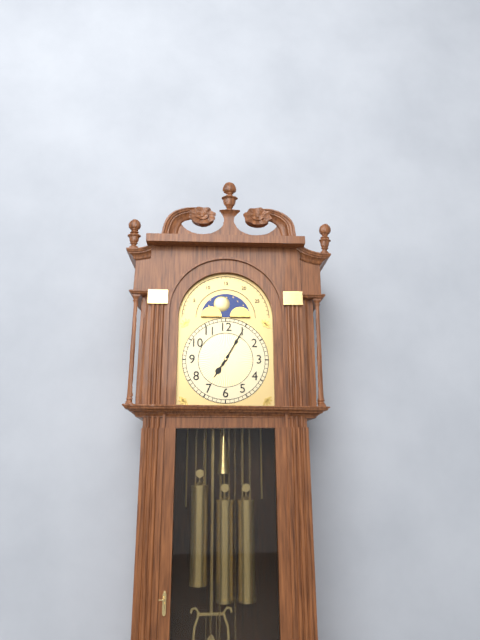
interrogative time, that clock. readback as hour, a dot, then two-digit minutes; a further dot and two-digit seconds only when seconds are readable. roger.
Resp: 7.05
